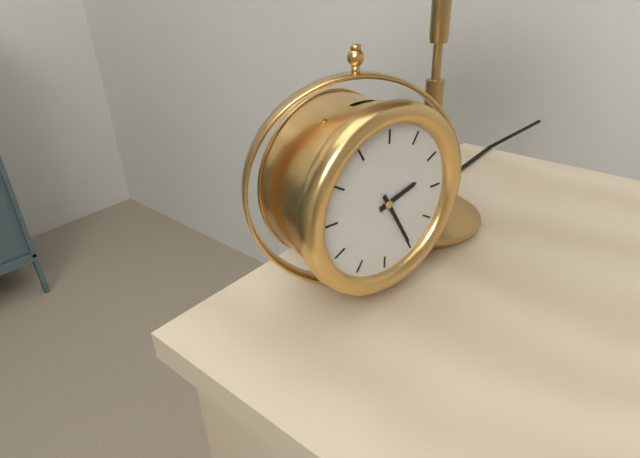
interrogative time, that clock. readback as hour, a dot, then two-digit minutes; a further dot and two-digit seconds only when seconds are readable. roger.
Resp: 2.25
